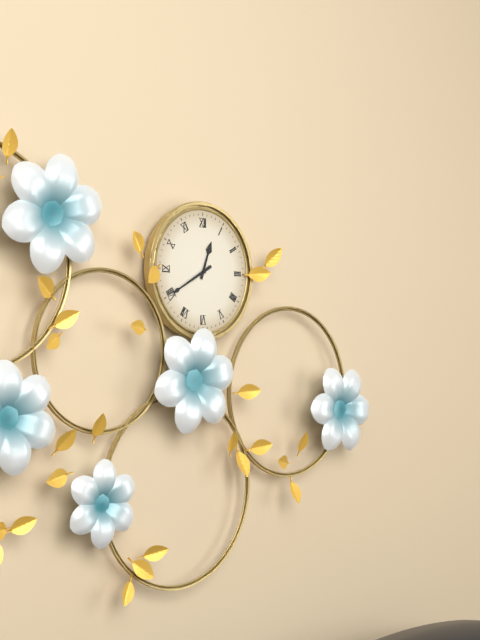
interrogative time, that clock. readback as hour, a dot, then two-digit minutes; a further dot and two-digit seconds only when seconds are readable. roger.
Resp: 12.40
